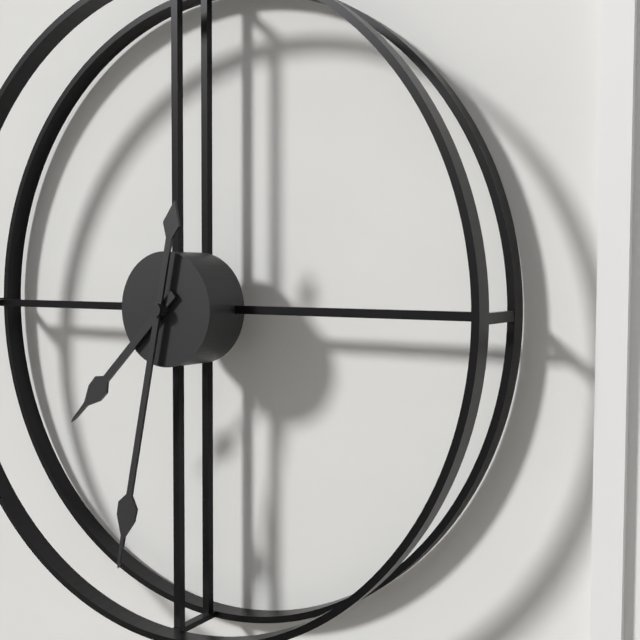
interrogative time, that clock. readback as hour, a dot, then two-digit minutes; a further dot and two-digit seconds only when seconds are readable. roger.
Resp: 7.32
